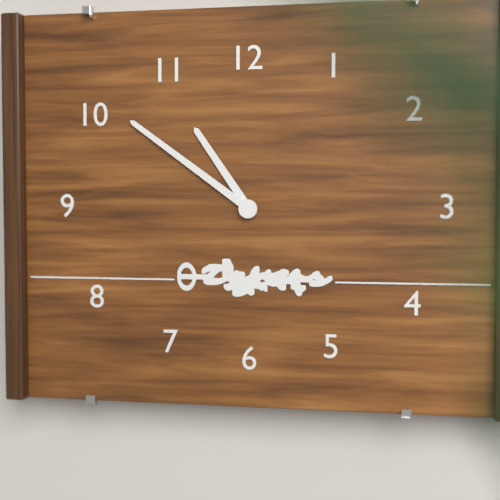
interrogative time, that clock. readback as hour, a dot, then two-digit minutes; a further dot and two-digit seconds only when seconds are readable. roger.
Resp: 10.51
